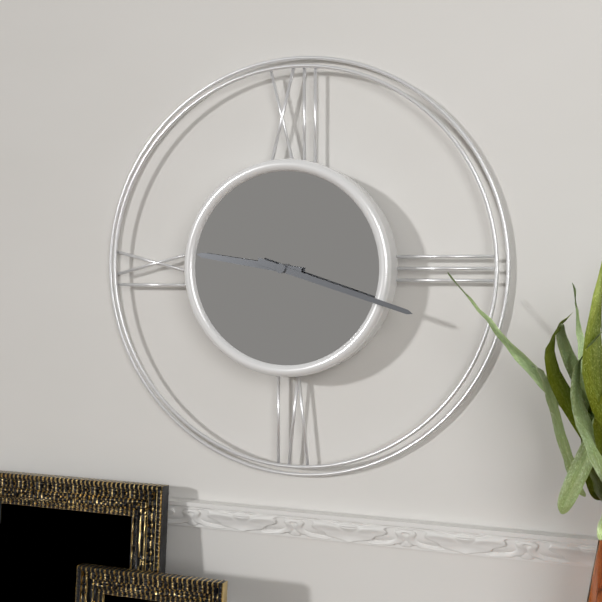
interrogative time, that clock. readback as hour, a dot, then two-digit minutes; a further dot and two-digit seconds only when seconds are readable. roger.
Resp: 9.18
